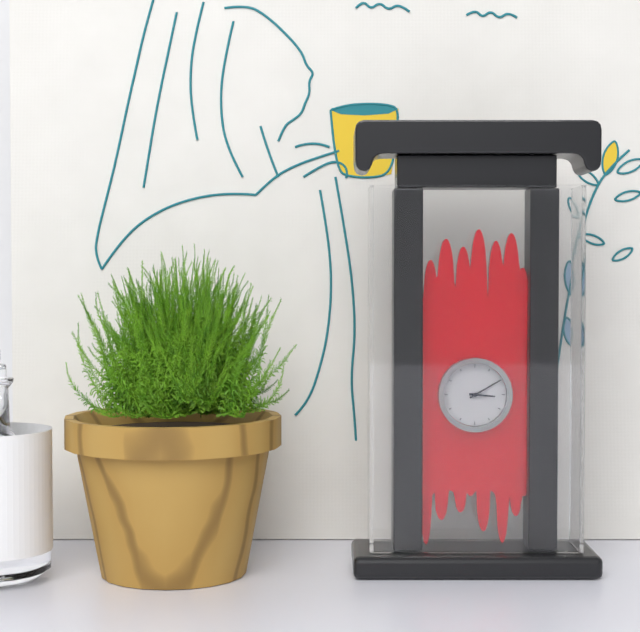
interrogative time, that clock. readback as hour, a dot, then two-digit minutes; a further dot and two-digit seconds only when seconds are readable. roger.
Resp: 3.10
